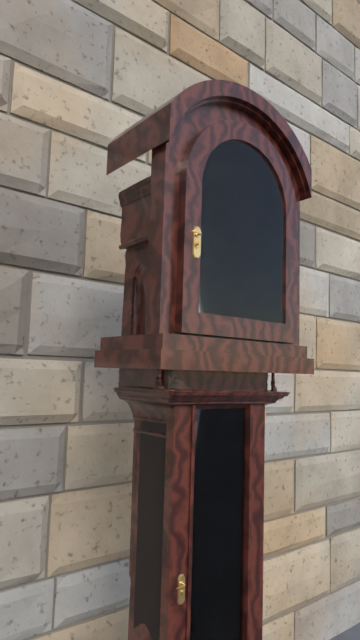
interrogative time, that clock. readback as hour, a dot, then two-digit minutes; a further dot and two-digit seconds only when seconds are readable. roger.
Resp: 4.30
